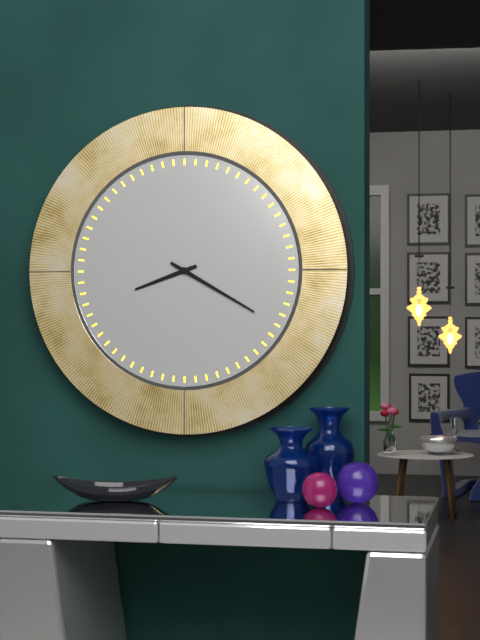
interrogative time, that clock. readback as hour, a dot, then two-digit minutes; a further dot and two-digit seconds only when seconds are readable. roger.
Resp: 8.20
